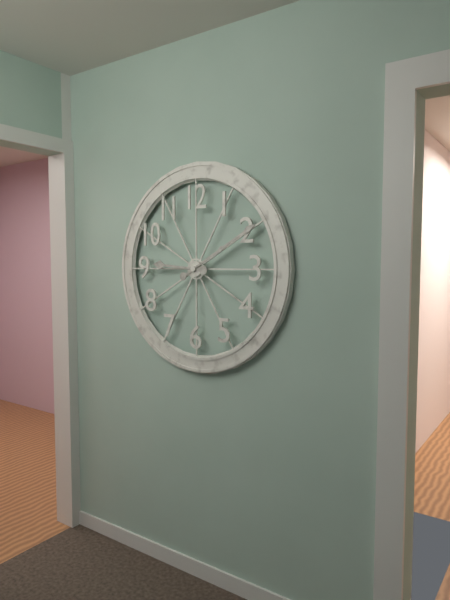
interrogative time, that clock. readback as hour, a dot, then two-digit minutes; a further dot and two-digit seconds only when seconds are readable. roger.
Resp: 9.10
